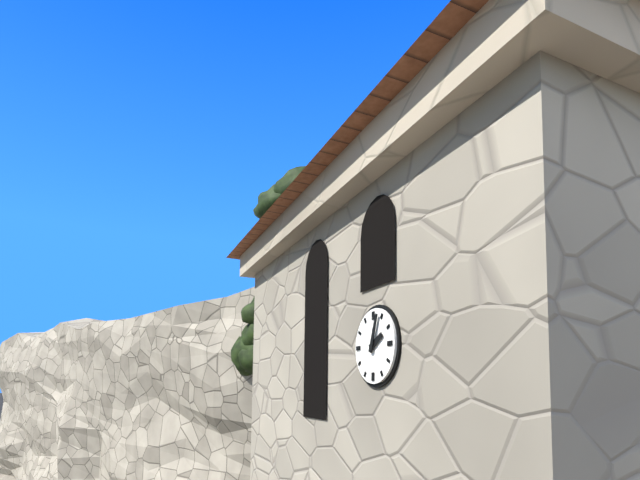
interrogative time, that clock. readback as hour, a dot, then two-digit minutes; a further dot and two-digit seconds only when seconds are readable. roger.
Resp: 2.03
